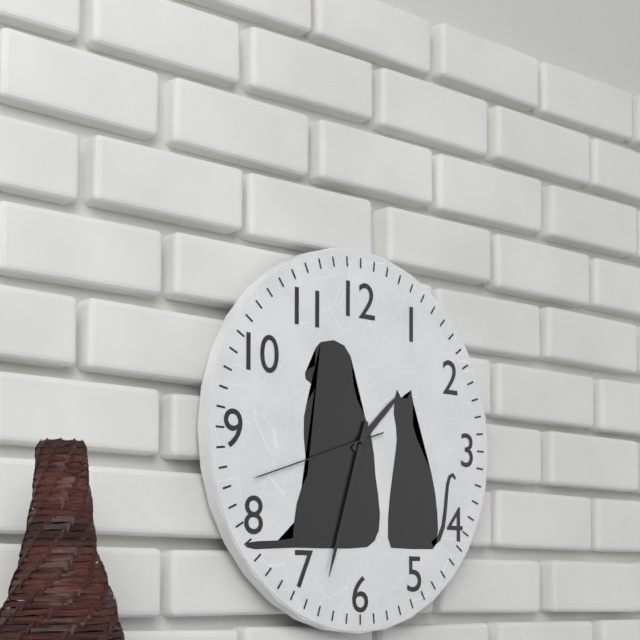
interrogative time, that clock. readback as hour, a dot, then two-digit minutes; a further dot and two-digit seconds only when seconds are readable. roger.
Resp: 1.33.42
